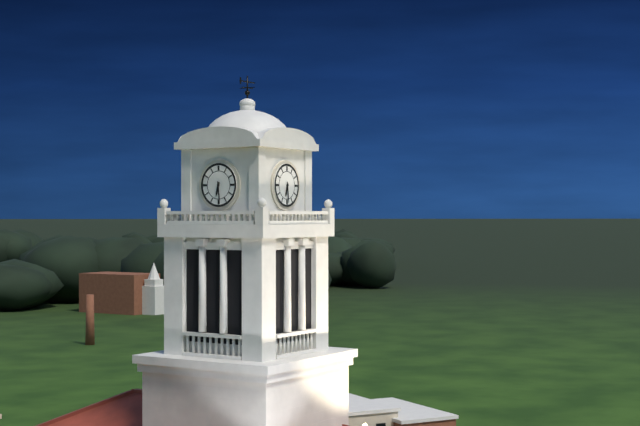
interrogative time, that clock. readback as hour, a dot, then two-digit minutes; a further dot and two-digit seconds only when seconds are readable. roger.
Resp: 6.29
